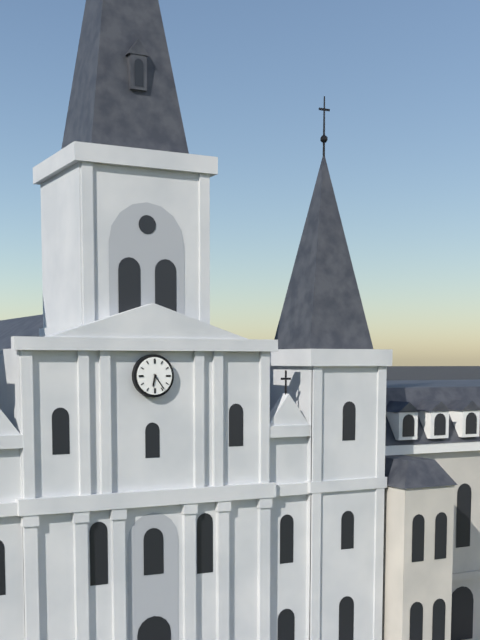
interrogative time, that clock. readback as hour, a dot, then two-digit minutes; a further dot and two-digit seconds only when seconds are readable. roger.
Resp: 6.24
